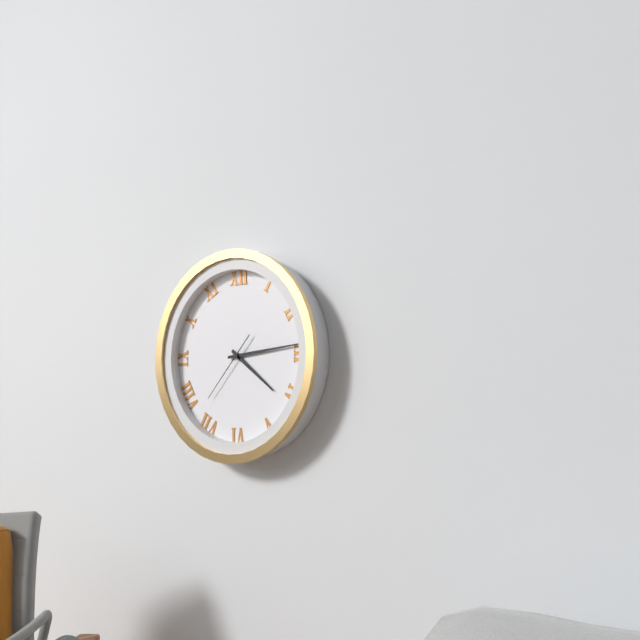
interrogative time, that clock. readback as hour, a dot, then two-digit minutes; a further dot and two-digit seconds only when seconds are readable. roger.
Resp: 4.14.37
